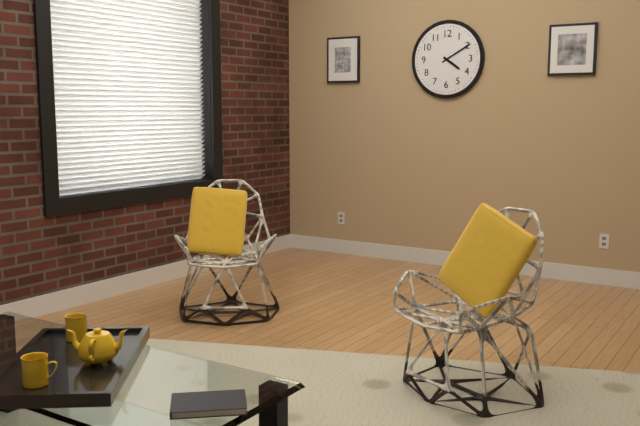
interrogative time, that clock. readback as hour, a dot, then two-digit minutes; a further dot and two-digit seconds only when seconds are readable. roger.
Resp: 4.10
